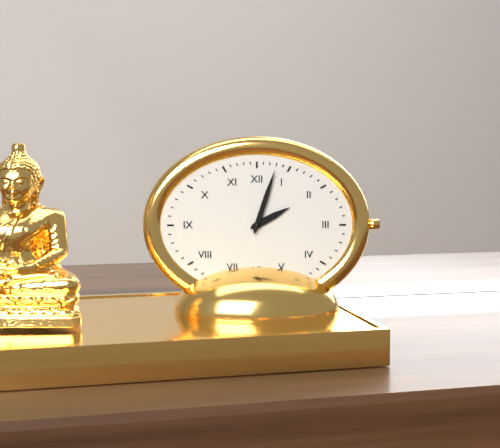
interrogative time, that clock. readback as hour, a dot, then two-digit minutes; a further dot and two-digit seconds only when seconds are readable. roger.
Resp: 2.03
